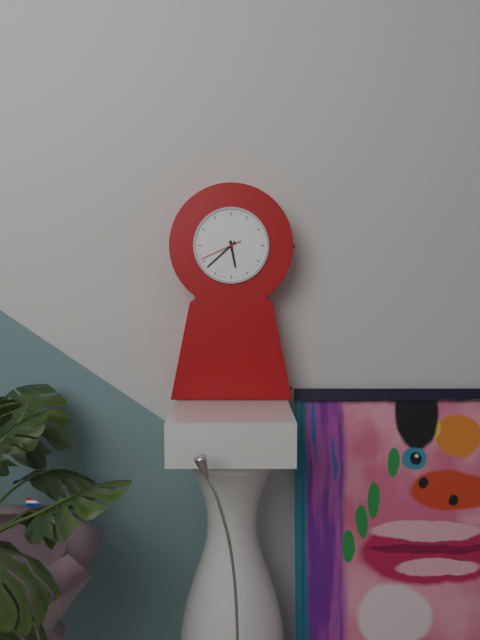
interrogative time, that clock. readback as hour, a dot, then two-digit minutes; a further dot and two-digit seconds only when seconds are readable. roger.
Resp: 5.38
